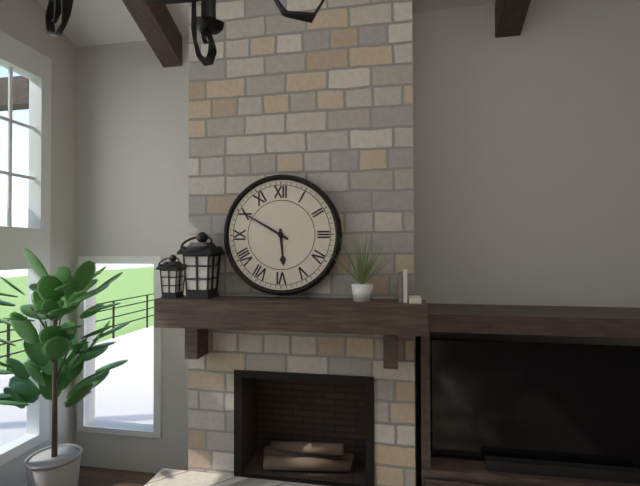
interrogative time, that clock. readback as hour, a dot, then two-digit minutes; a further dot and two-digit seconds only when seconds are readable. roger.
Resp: 5.50
